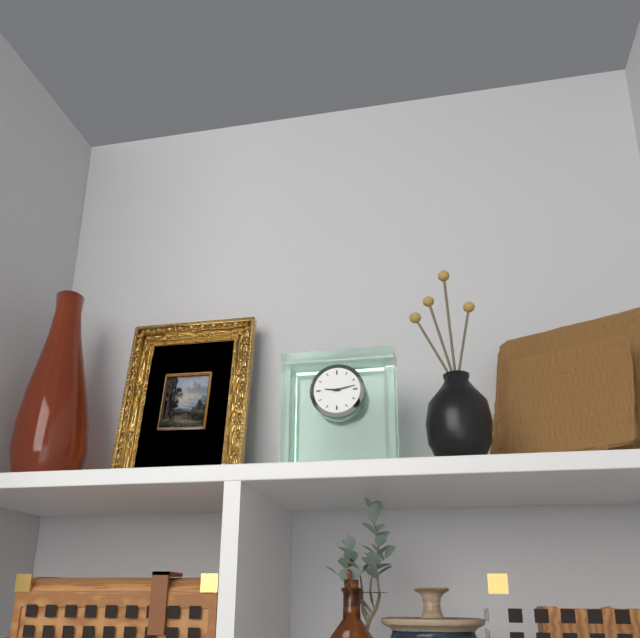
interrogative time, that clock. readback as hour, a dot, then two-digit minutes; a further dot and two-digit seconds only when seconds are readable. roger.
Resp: 9.13
